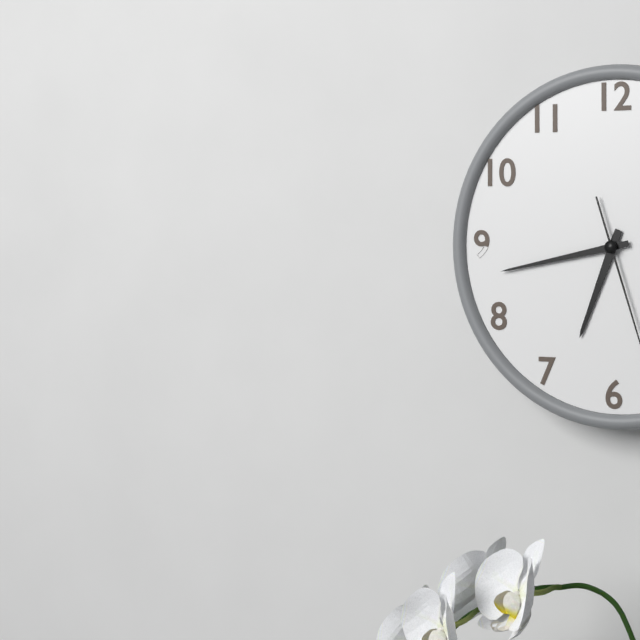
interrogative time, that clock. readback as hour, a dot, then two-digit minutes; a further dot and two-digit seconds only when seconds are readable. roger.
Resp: 6.43
